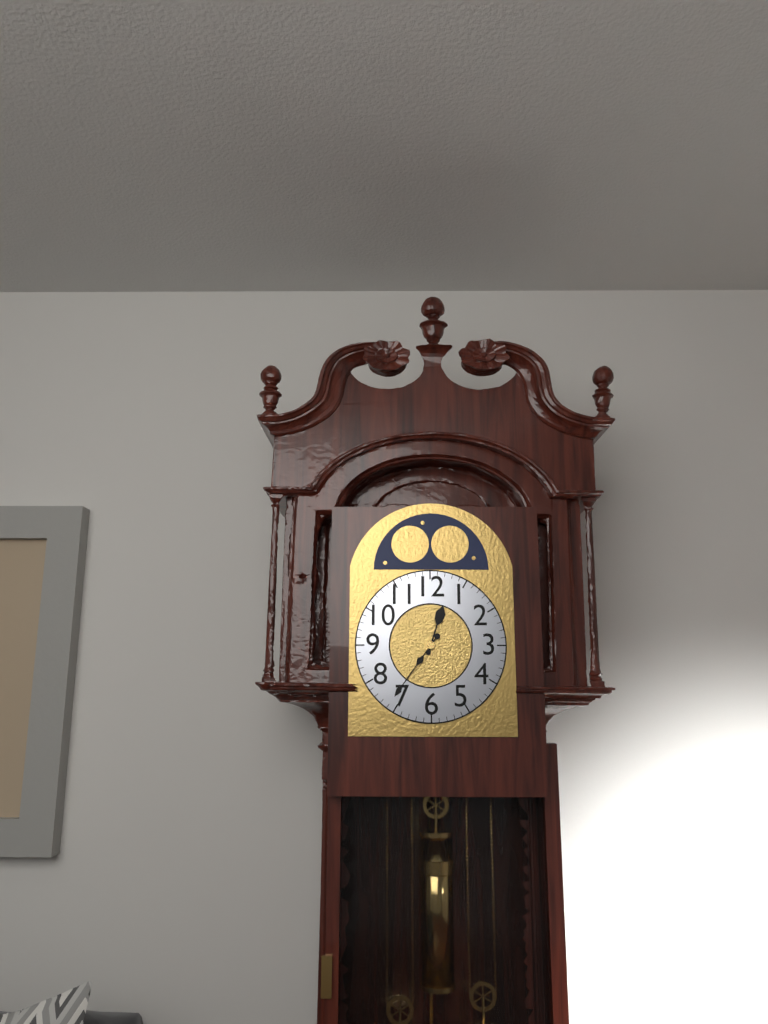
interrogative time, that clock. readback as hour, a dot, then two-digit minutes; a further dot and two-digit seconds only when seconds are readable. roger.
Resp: 12.36
